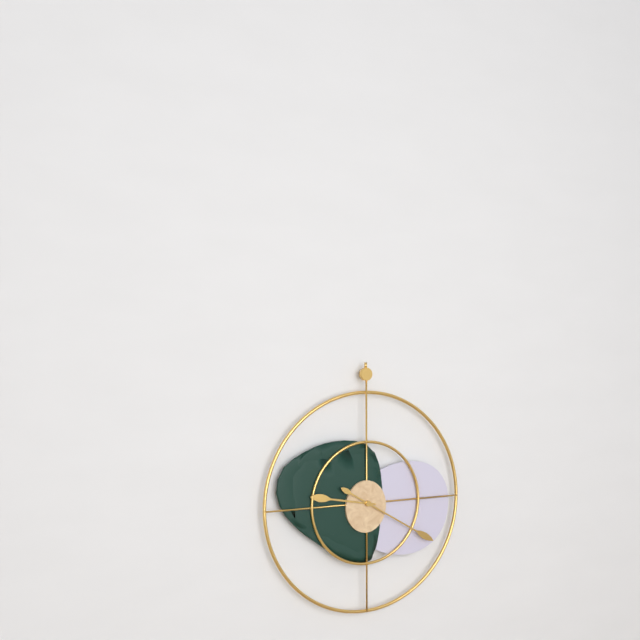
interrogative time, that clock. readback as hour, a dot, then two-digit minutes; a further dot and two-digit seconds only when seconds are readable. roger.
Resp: 9.20
